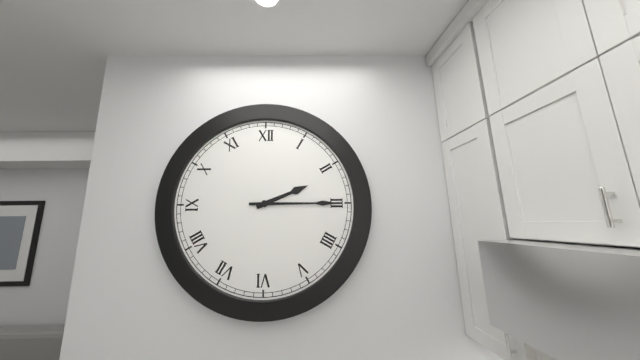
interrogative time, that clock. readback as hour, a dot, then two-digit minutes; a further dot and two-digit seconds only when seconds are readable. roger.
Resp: 2.15
